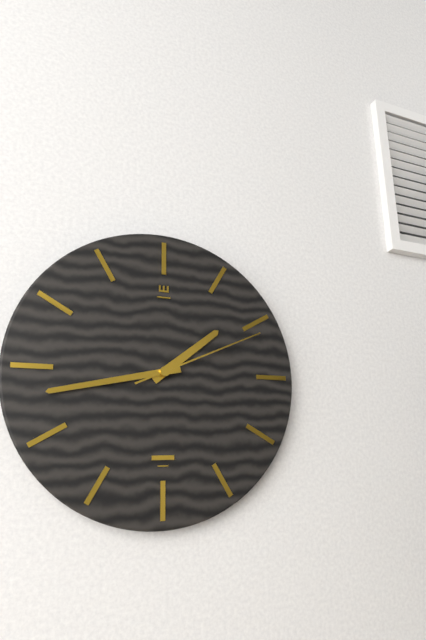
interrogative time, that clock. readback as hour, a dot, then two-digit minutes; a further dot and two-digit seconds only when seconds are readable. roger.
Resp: 1.43.11
